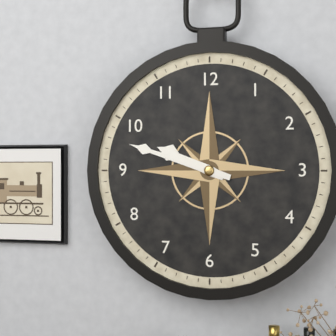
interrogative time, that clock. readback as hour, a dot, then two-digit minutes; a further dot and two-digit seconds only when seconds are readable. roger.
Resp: 9.48
